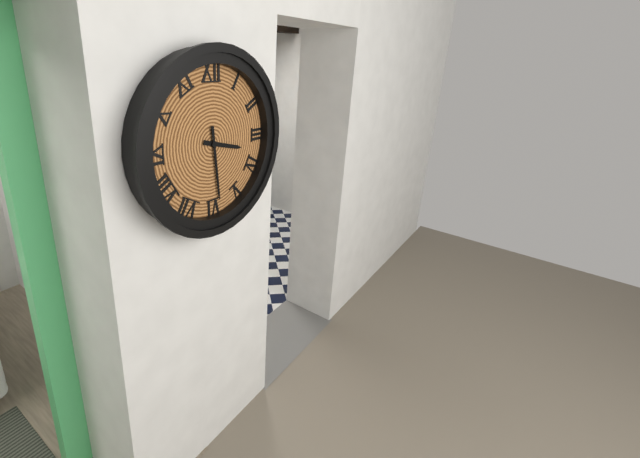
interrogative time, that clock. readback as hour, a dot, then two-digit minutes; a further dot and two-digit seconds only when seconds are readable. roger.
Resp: 3.29
